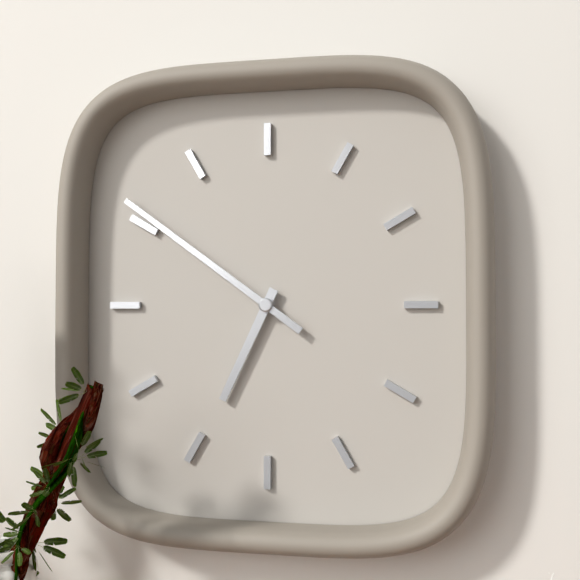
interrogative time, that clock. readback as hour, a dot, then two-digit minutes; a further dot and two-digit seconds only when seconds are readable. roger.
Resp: 6.51
